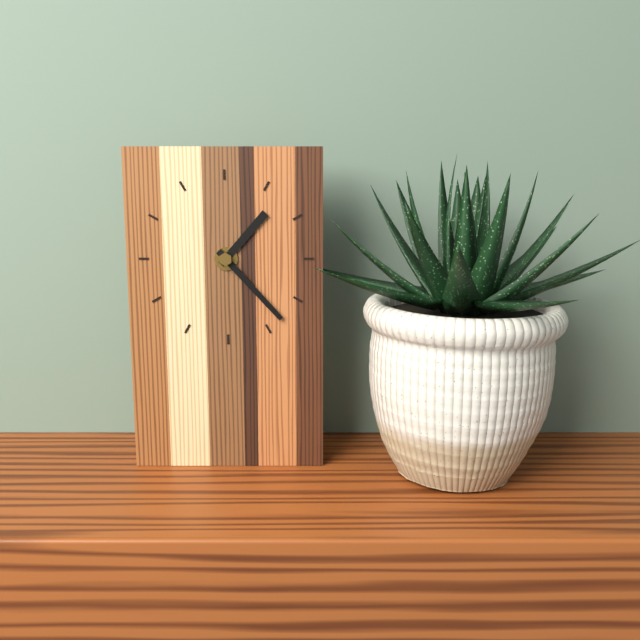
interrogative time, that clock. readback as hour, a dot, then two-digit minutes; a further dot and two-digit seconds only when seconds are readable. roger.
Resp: 1.23
